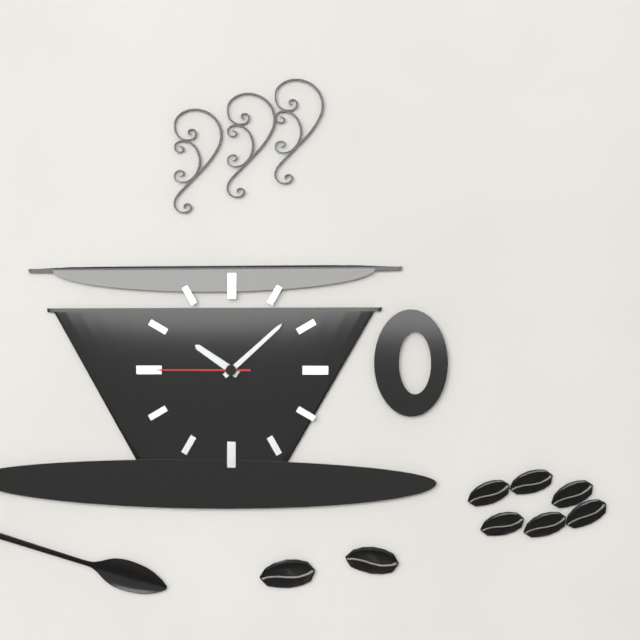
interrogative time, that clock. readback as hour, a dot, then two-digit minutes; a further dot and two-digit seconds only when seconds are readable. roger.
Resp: 10.08.45
